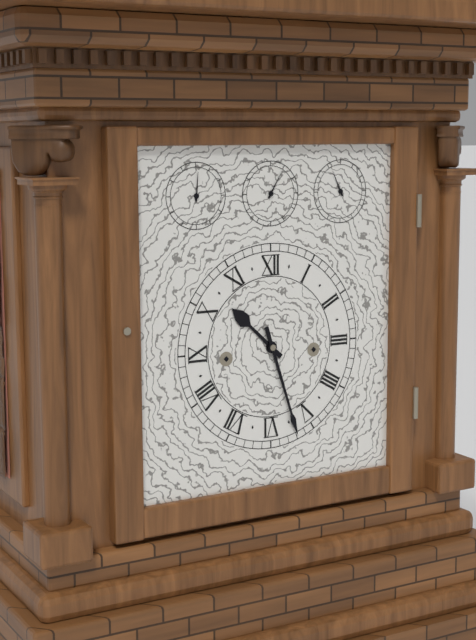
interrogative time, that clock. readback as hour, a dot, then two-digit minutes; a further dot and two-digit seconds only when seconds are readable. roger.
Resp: 10.27
